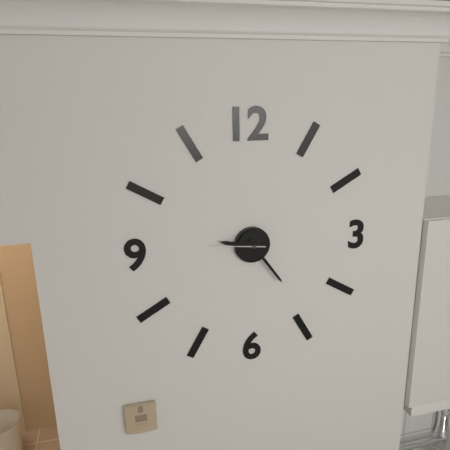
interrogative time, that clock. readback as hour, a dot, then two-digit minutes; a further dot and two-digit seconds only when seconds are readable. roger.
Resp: 9.24.46
